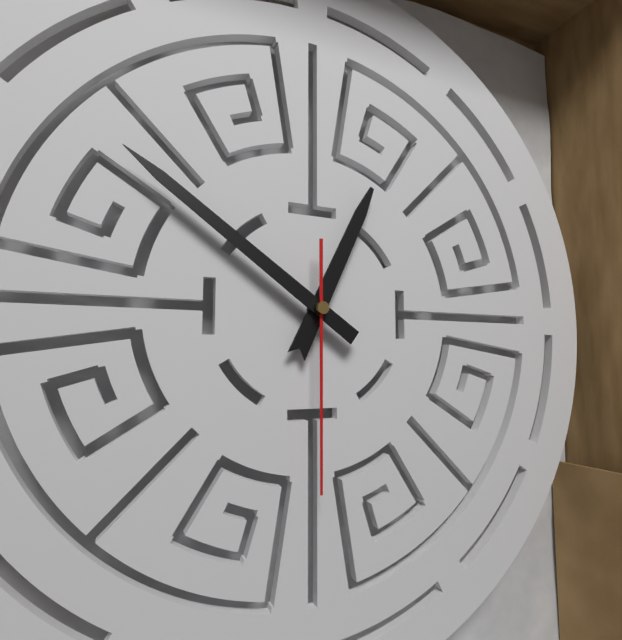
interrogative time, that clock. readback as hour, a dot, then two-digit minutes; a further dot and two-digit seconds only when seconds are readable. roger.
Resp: 12.51.30
